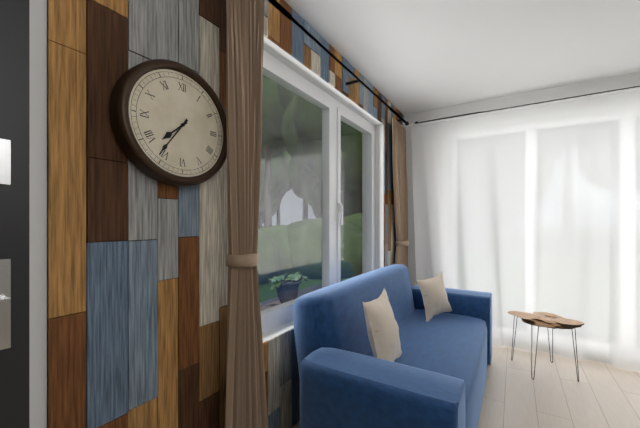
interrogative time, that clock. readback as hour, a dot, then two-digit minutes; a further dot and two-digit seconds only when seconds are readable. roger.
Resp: 7.36
